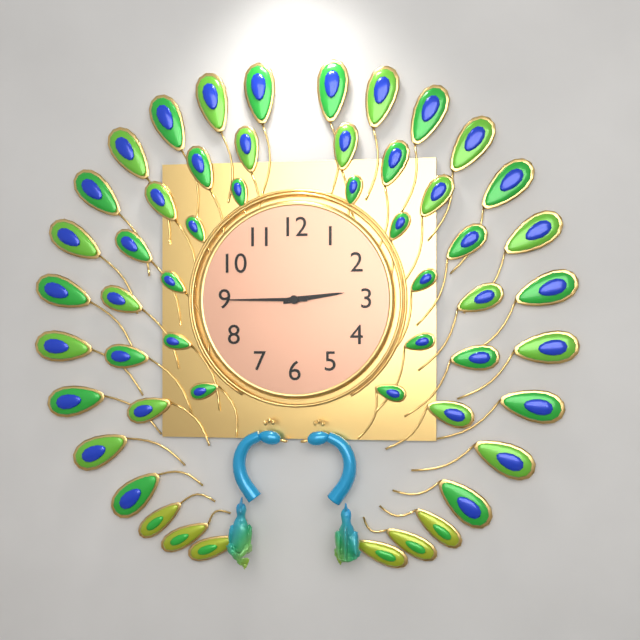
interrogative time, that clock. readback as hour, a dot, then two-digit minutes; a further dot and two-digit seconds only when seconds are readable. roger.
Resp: 2.45
